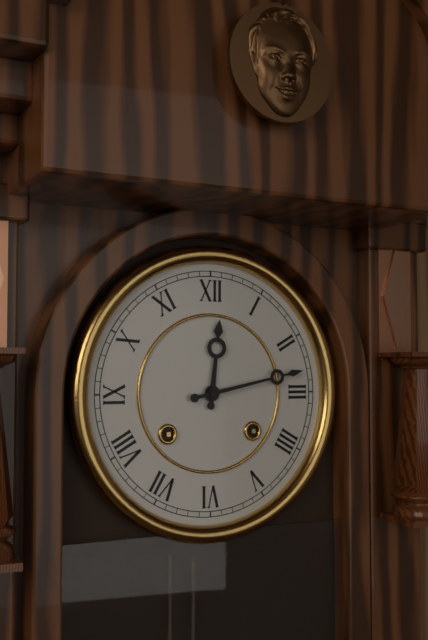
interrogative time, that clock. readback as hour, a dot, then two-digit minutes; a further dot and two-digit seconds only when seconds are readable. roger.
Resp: 12.13
